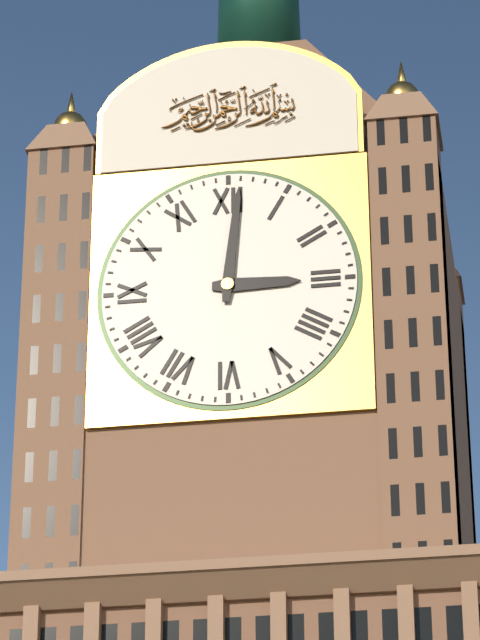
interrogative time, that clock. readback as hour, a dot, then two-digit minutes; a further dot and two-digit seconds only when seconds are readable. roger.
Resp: 3.01
